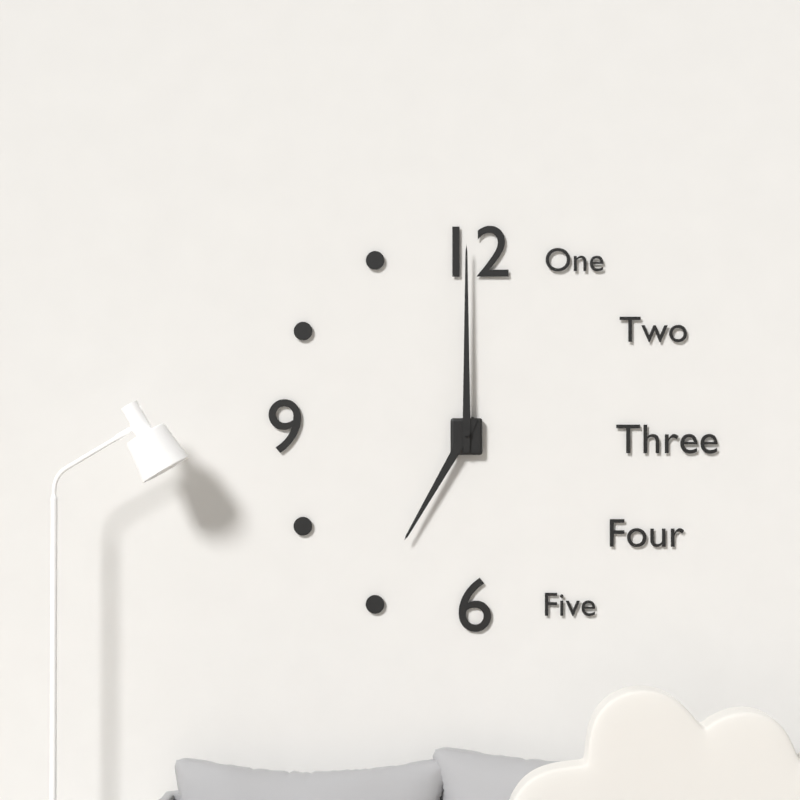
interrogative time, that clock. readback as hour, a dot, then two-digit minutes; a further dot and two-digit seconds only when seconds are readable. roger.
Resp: 7.00
